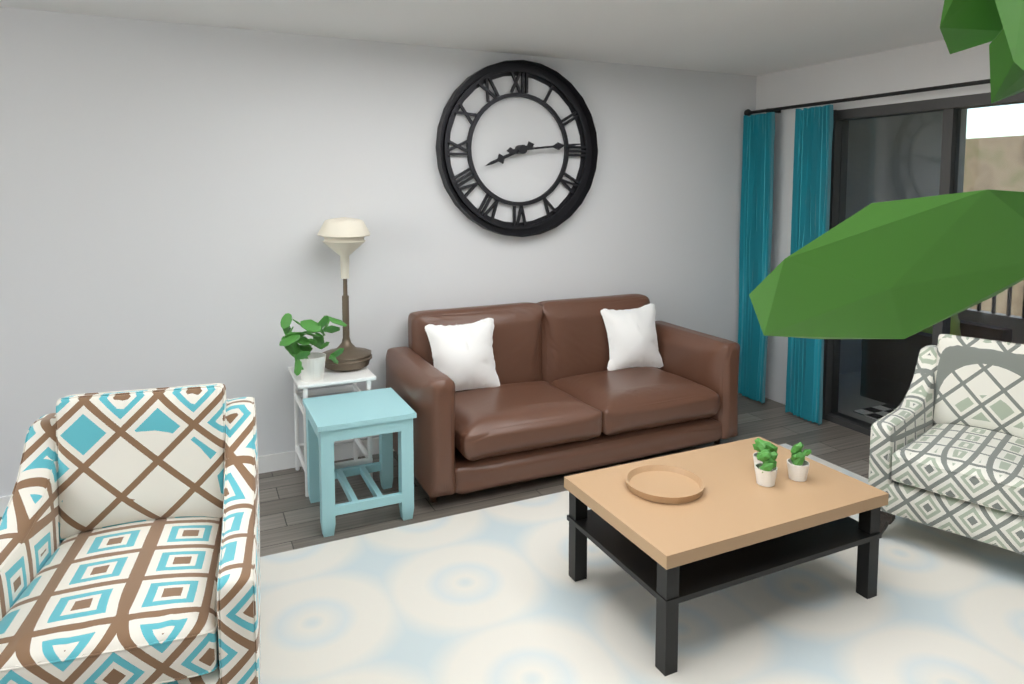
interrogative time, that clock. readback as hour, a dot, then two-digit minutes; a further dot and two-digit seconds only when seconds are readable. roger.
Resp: 8.14
